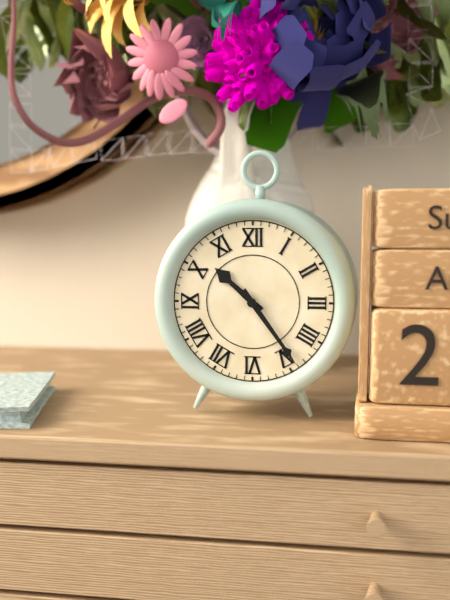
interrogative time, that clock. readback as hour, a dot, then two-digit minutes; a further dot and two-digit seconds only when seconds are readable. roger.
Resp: 10.24
